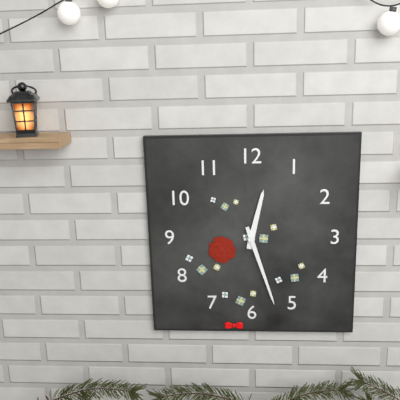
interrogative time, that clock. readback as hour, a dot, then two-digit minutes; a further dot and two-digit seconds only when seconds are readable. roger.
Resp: 12.27
